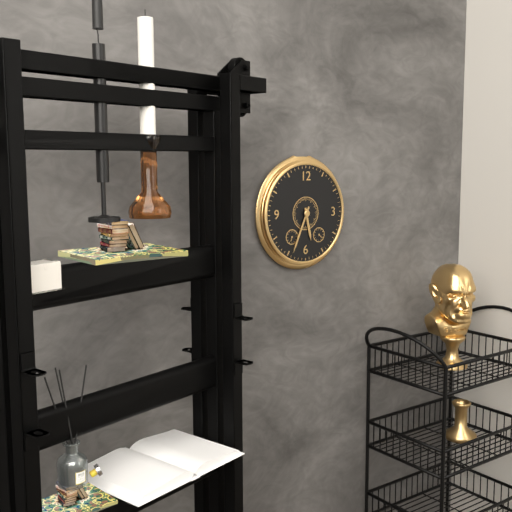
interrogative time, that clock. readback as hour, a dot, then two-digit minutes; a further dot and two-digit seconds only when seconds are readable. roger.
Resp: 5.34
